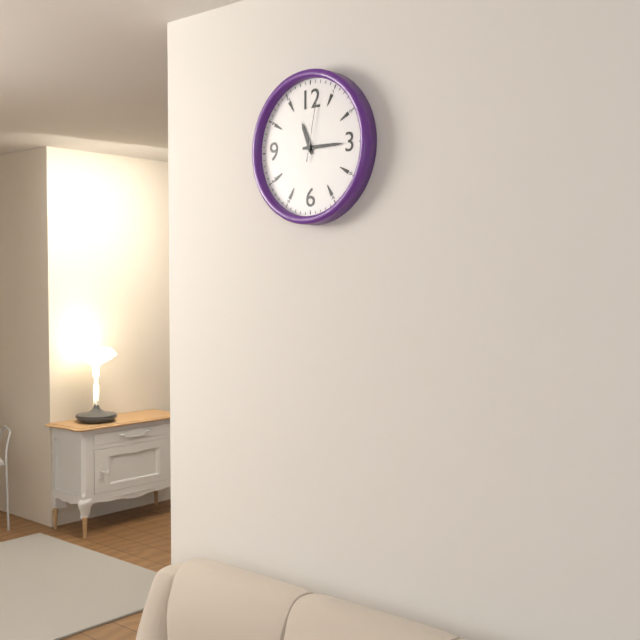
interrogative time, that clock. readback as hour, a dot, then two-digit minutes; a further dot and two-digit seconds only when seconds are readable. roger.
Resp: 11.15.02
